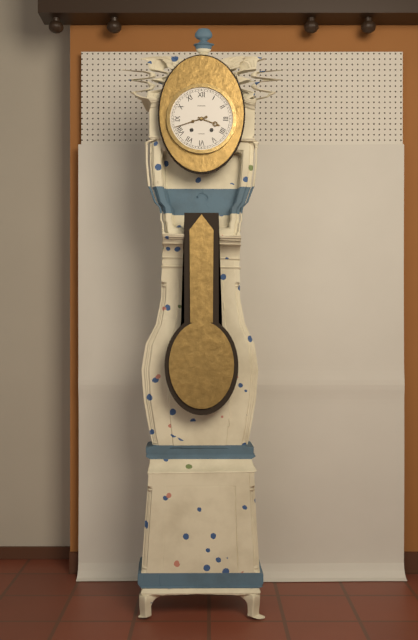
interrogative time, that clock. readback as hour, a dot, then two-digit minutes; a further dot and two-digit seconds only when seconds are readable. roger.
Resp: 3.42
